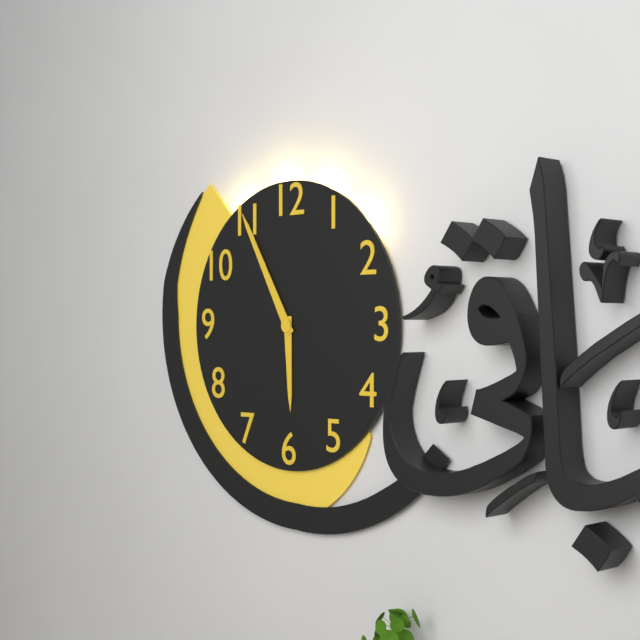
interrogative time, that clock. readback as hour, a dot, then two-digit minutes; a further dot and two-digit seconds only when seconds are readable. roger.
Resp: 5.55
